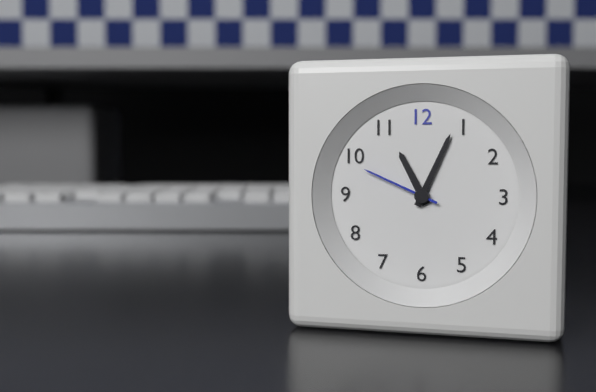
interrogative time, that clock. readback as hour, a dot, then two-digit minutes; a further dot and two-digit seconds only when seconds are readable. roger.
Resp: 11.04.49
